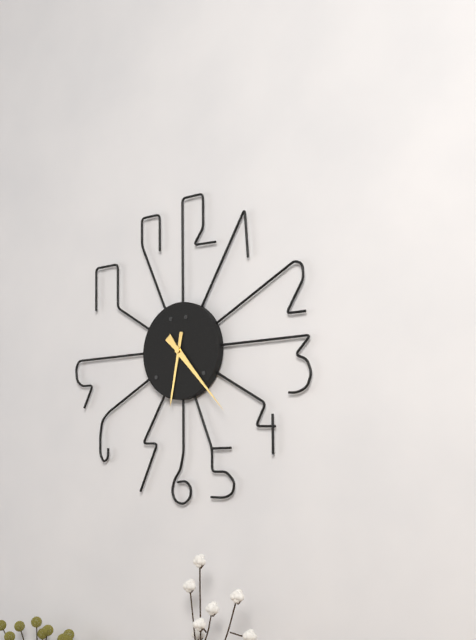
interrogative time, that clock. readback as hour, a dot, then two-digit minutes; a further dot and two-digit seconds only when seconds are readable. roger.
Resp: 6.23
